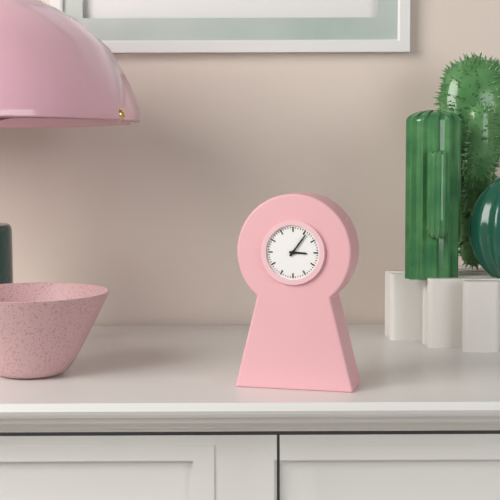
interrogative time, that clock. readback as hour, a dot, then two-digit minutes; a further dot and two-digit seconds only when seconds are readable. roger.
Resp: 3.06
